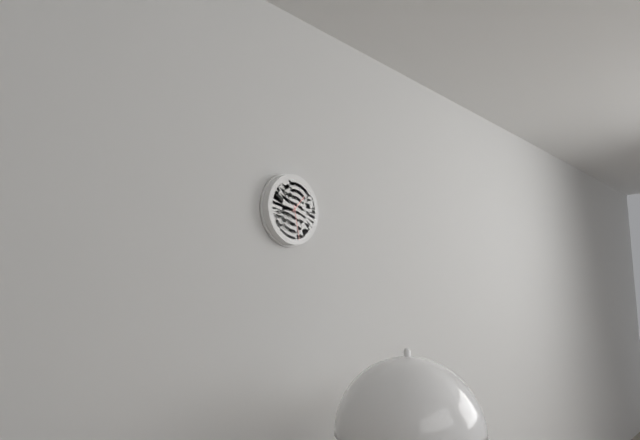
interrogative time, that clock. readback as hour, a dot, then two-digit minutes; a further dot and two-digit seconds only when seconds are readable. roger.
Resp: 1.28
